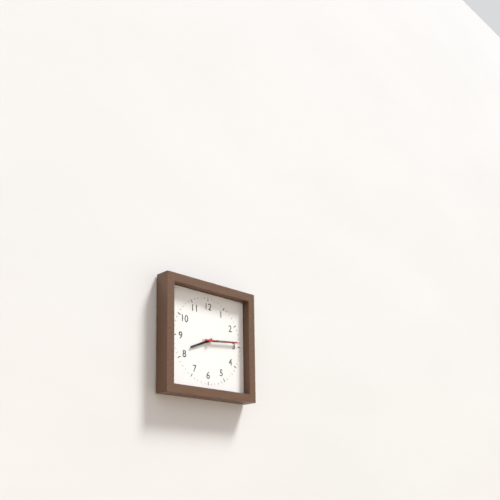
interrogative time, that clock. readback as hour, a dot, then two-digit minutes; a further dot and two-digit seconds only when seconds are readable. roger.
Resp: 8.14
